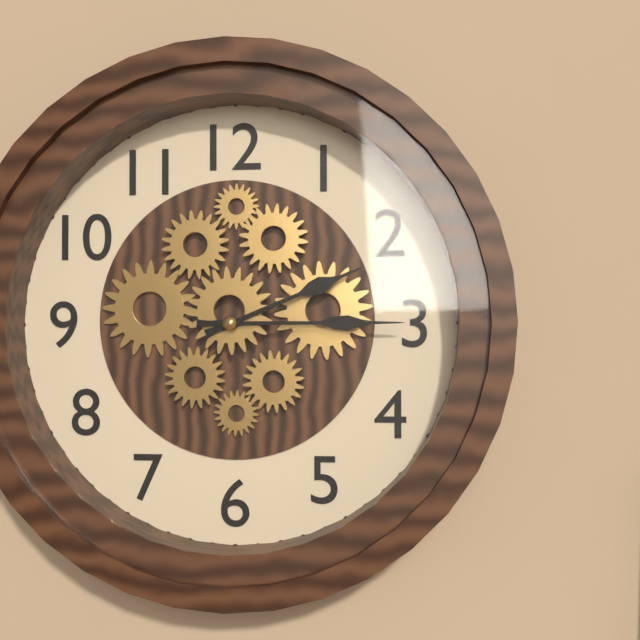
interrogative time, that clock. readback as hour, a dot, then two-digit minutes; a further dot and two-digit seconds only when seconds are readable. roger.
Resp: 2.15
